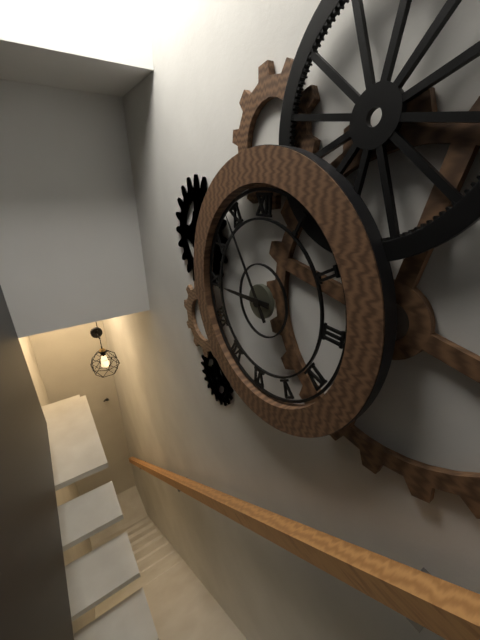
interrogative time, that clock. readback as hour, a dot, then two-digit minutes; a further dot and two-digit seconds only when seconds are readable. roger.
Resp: 8.54
